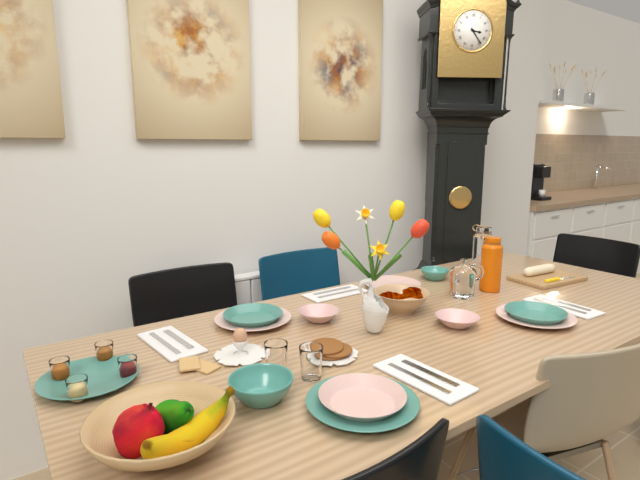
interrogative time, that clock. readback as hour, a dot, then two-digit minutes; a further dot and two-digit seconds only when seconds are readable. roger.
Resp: 3.24
